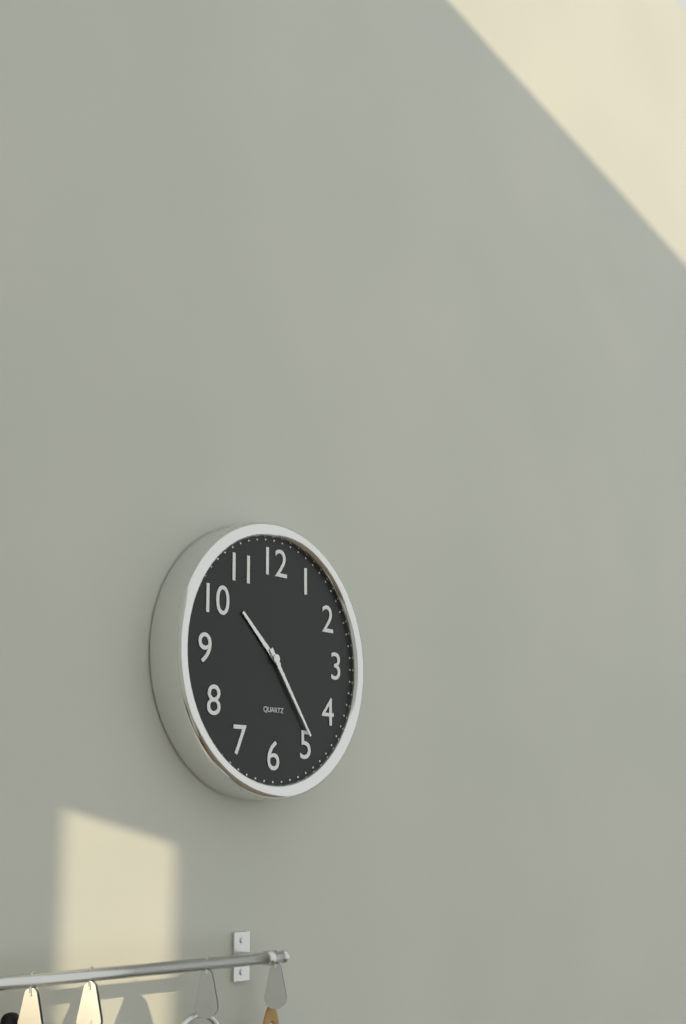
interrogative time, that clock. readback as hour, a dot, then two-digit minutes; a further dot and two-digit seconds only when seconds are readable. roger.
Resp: 10.24
